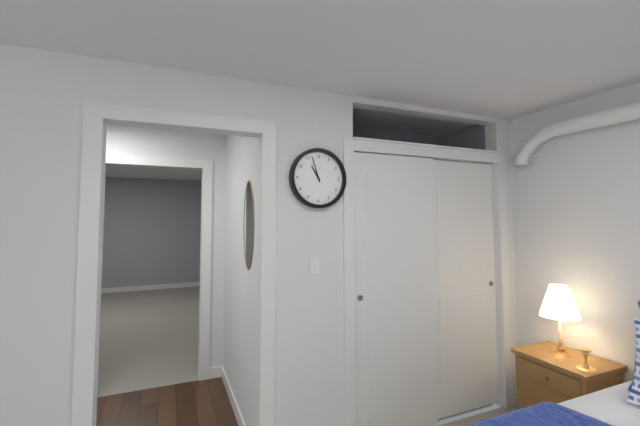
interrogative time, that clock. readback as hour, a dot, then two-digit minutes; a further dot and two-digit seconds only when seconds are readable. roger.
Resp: 10.57
